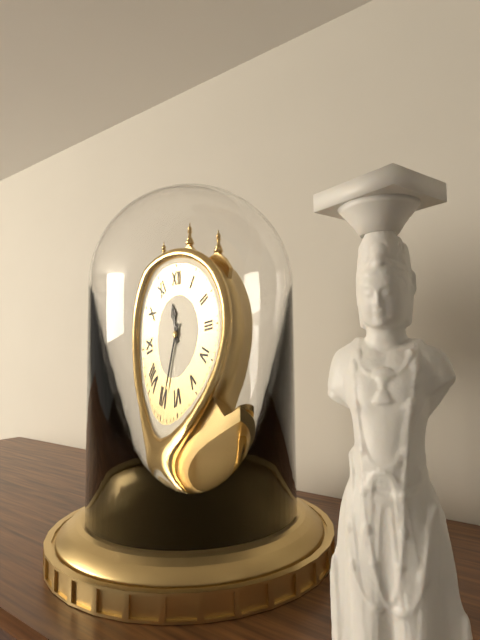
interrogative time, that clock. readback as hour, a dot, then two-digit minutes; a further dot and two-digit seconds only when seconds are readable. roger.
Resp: 11.34
